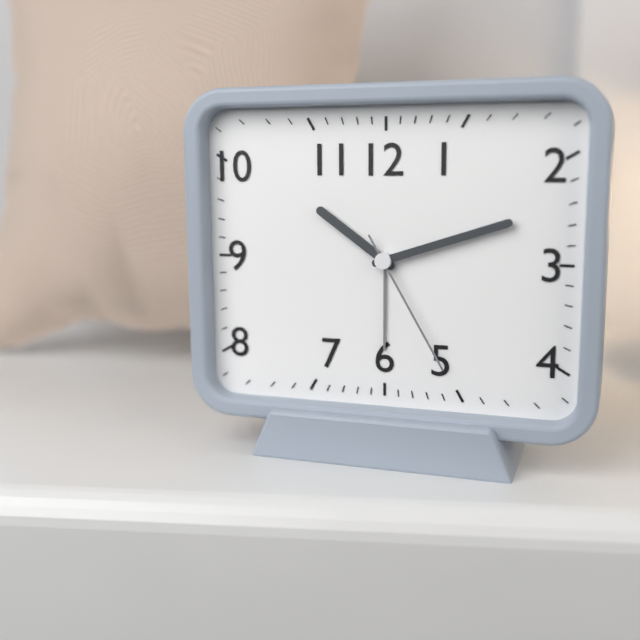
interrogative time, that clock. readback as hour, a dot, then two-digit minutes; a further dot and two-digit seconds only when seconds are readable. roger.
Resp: 10.12.25
